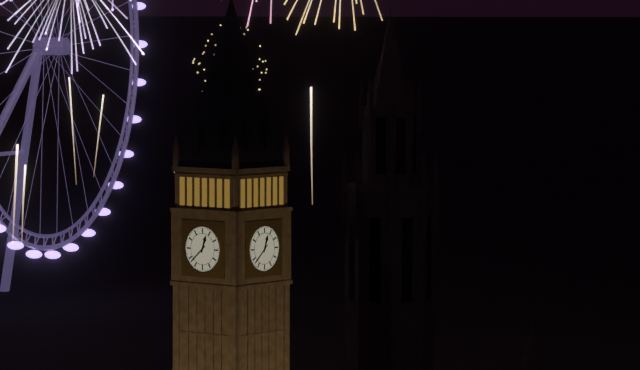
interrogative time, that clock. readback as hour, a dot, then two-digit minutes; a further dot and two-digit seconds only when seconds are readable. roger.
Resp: 12.38
